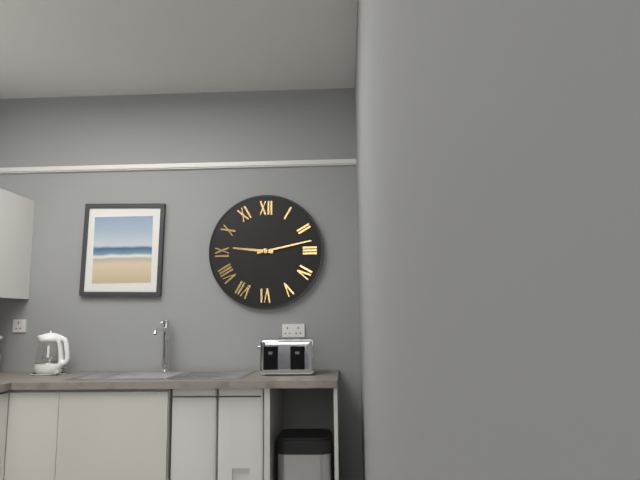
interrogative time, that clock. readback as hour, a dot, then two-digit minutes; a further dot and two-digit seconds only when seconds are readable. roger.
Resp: 9.13
